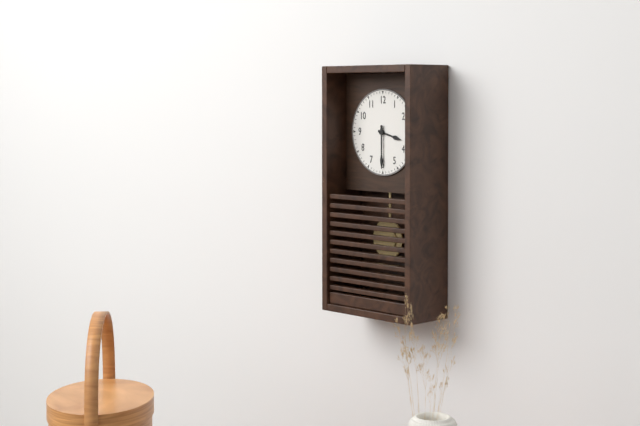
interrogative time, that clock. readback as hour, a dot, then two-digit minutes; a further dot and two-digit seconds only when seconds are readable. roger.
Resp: 3.30
